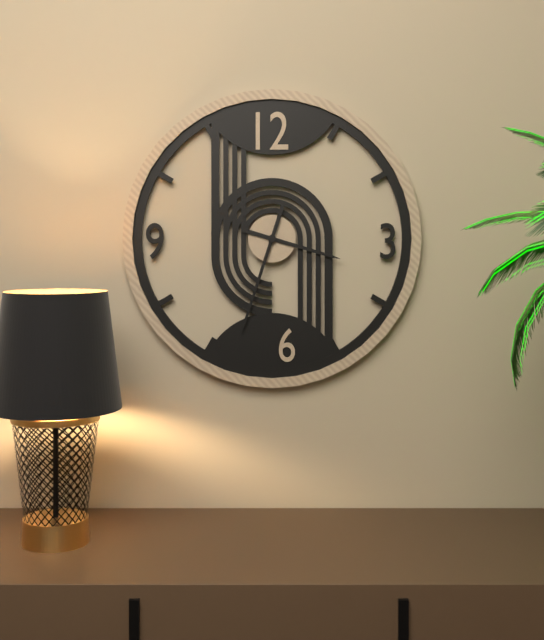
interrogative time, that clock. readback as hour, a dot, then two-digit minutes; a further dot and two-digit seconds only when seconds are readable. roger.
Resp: 3.33
